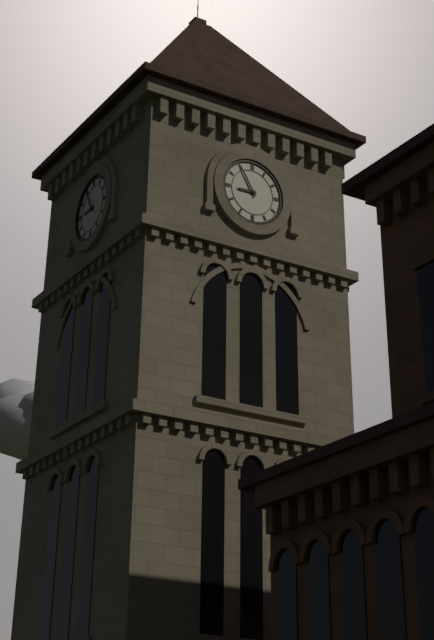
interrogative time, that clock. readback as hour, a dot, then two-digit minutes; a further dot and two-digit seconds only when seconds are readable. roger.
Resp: 8.55
